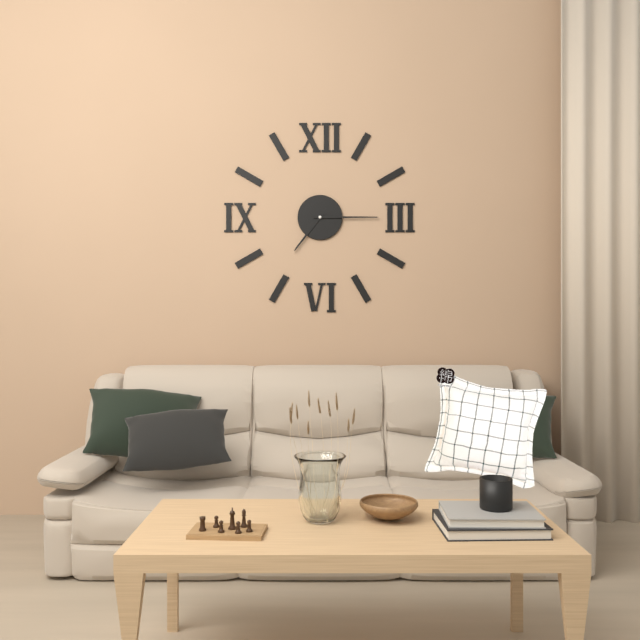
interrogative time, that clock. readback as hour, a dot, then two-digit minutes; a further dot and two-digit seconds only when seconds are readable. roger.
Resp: 7.15
